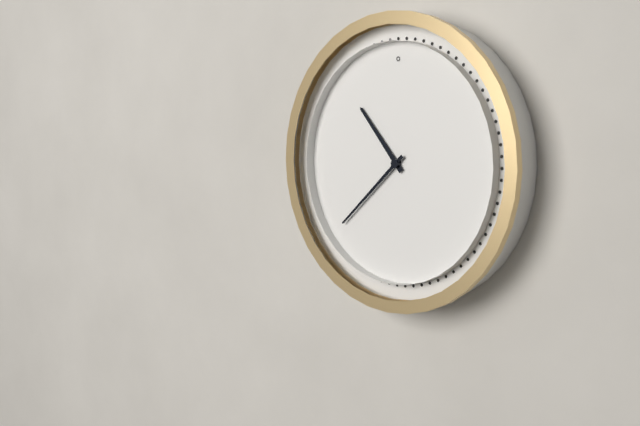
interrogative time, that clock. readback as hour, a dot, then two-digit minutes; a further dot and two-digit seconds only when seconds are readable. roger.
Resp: 10.38
